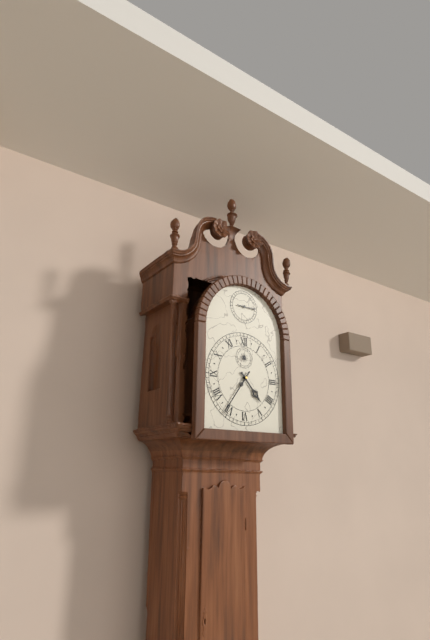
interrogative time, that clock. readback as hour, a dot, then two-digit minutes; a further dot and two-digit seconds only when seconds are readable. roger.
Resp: 4.36
